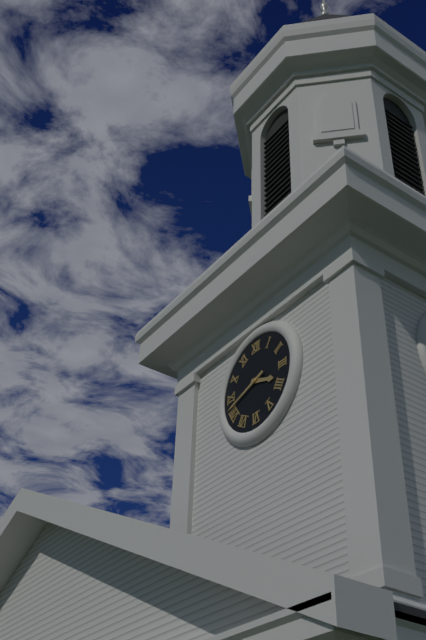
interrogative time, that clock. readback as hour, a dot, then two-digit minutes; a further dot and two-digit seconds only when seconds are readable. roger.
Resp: 3.42
